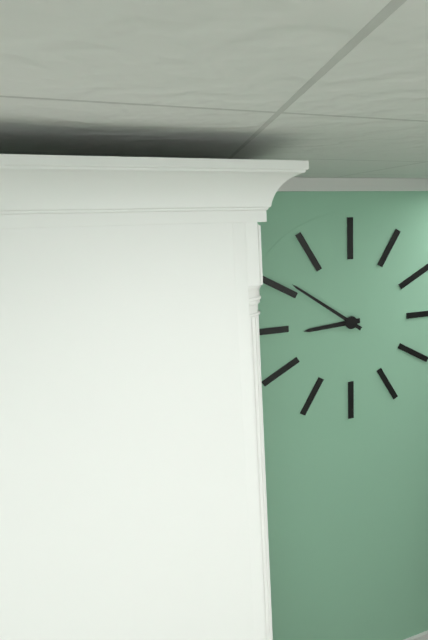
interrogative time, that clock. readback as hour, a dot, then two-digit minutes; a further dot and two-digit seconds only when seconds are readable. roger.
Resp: 8.51
